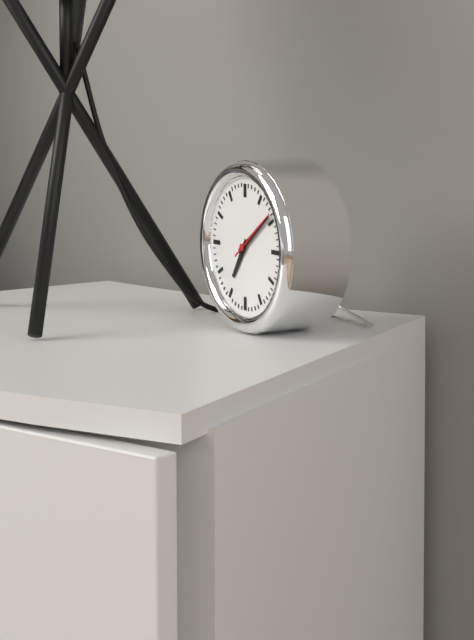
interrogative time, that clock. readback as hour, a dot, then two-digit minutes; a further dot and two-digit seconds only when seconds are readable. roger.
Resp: 7.09
